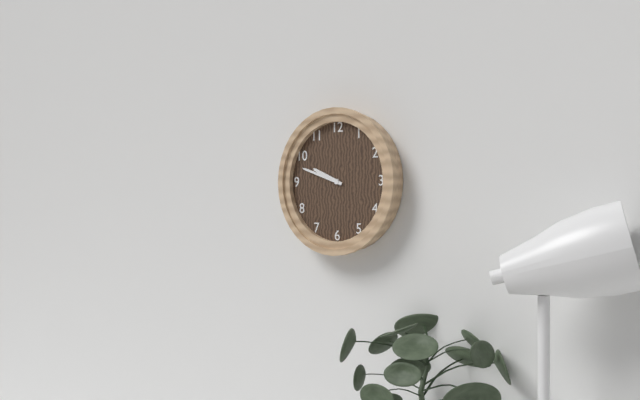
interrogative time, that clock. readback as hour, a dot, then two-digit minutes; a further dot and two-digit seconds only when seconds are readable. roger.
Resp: 9.48
